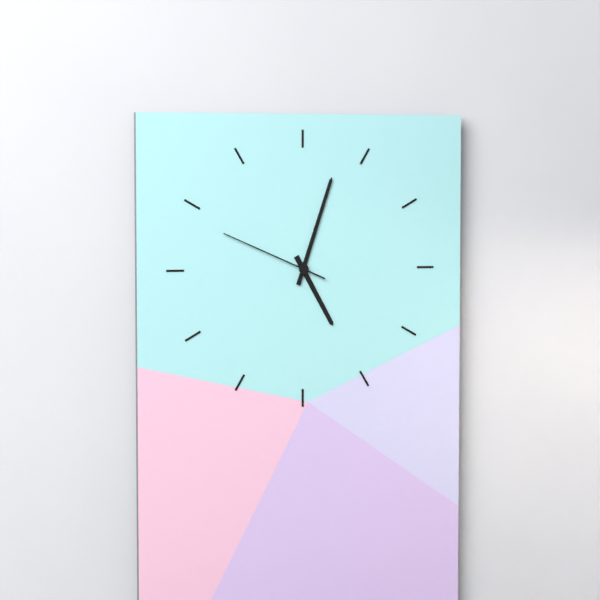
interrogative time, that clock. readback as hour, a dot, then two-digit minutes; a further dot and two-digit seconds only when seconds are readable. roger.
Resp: 5.03.49
